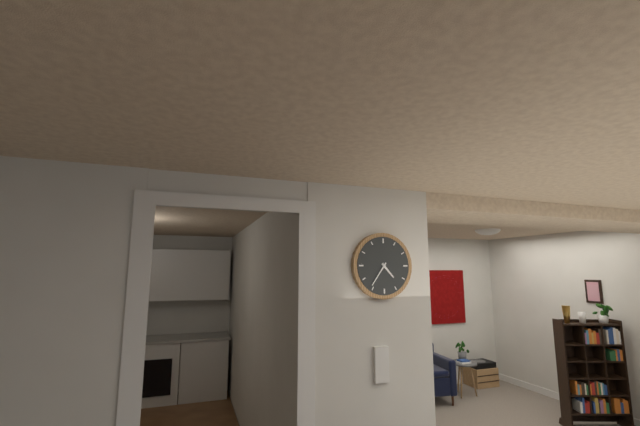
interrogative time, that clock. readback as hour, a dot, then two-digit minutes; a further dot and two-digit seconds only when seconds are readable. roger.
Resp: 4.36
